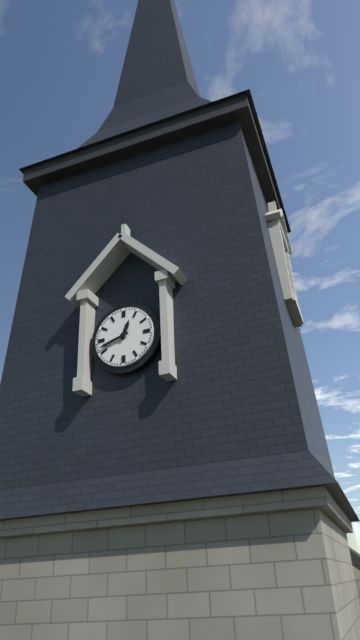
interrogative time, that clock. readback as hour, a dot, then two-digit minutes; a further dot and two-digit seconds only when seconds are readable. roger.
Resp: 12.42
